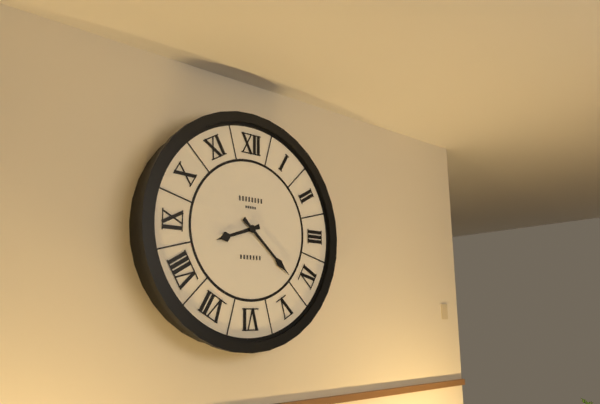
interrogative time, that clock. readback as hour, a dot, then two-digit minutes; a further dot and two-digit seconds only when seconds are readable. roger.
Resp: 8.22
